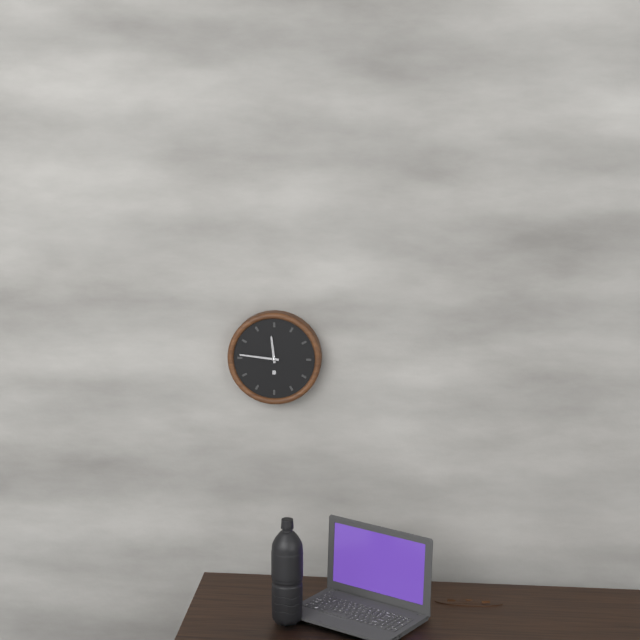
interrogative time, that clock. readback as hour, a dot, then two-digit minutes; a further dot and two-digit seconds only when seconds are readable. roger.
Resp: 11.46
